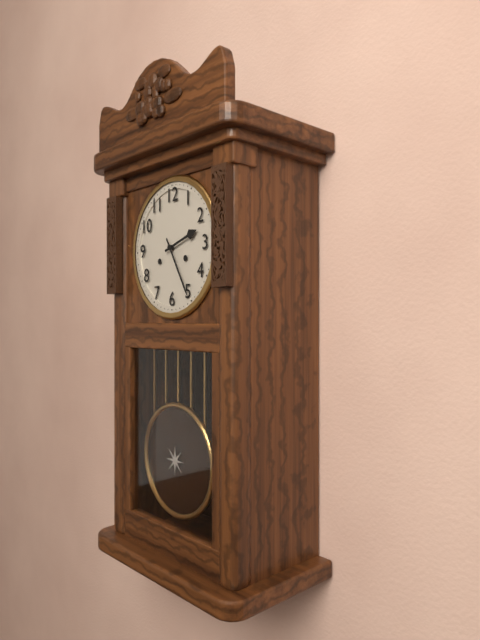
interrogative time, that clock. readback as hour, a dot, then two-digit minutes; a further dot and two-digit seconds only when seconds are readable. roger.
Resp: 2.25
